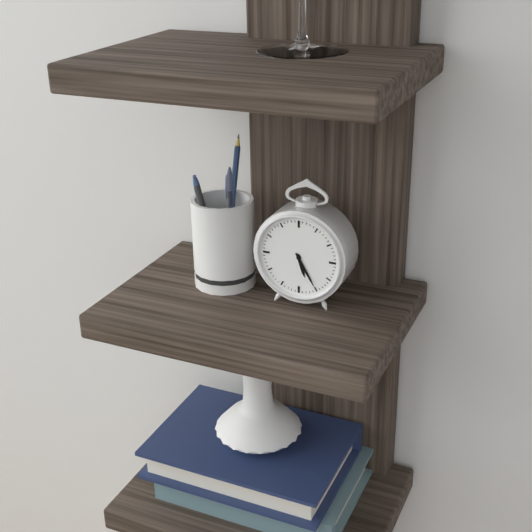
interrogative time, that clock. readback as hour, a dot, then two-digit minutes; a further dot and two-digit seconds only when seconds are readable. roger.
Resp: 5.25
